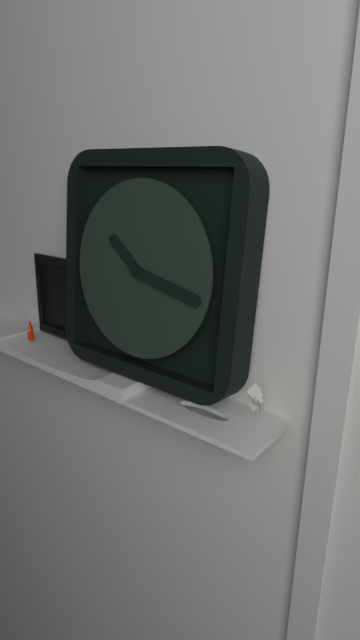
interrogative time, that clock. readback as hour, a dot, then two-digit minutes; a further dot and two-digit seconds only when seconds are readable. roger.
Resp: 10.17
